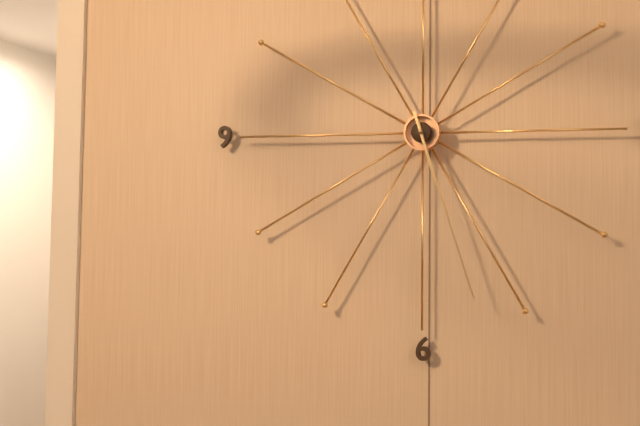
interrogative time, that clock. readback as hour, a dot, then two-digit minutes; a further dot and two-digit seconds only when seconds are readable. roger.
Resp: 5.27
